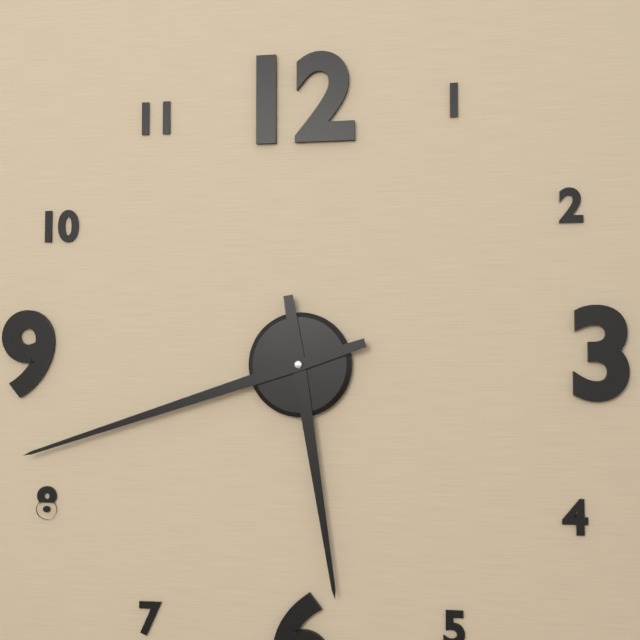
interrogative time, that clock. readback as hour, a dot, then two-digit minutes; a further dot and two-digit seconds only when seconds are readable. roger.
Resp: 5.42
